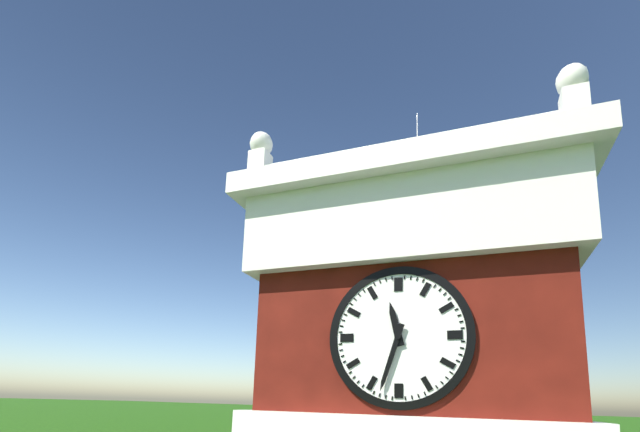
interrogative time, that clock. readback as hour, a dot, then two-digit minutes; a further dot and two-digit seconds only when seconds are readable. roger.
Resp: 11.33
